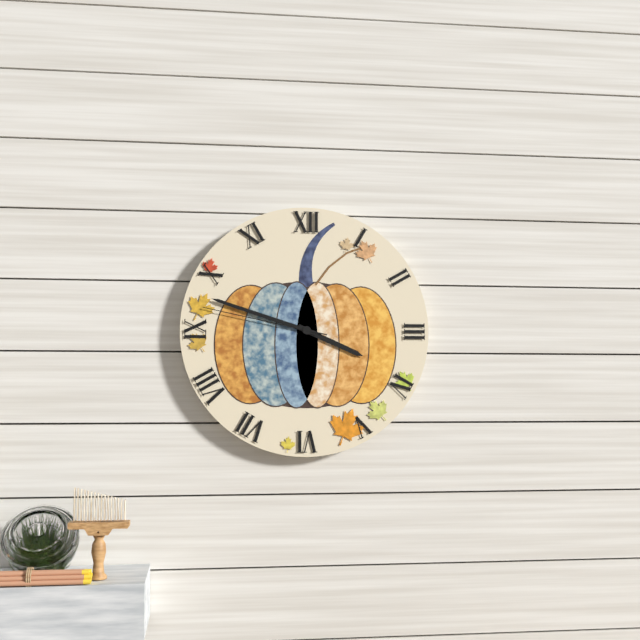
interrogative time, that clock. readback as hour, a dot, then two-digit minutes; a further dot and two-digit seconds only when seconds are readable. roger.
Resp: 3.48.47
